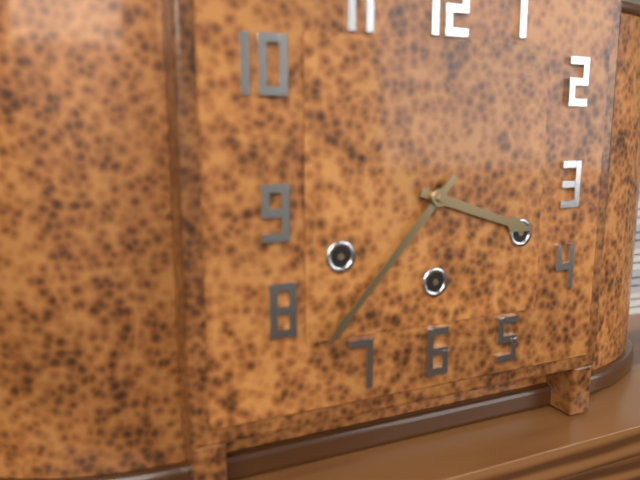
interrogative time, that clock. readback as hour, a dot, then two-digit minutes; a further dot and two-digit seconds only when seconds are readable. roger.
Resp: 3.37
